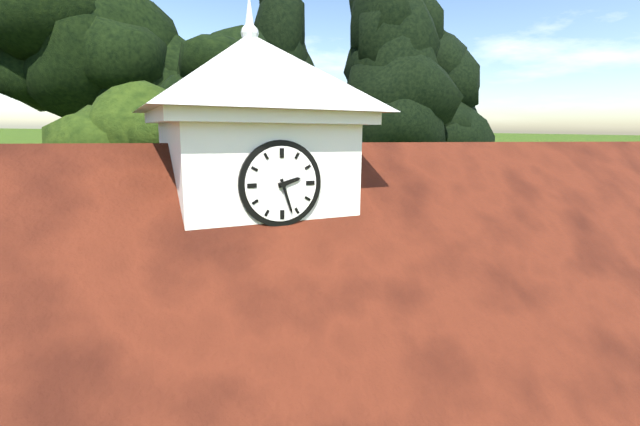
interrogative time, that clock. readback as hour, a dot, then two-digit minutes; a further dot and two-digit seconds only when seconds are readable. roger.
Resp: 2.27
